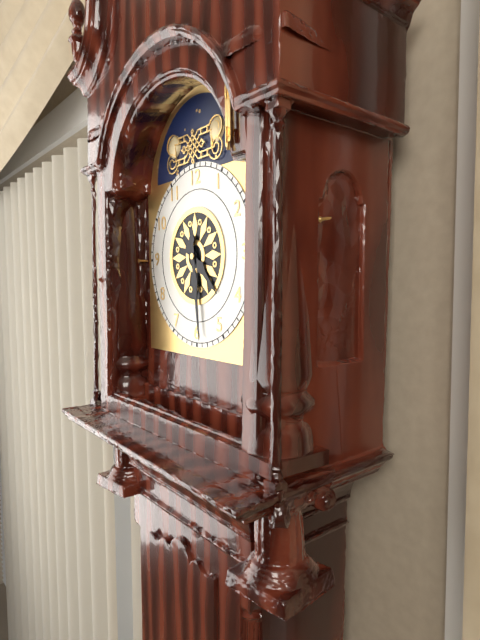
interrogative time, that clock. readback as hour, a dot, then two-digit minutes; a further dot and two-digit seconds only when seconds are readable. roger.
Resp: 4.29
